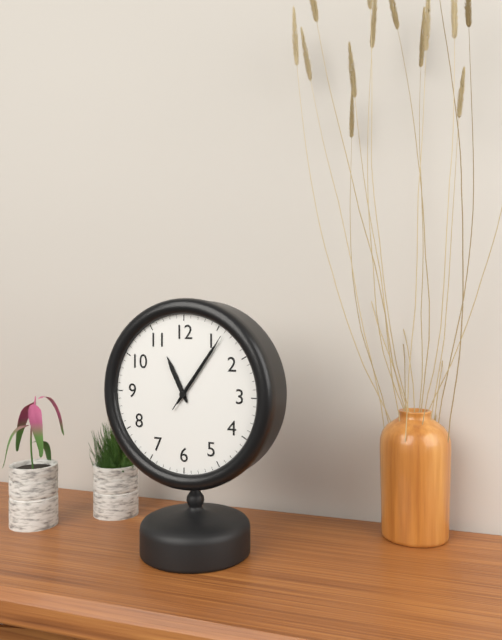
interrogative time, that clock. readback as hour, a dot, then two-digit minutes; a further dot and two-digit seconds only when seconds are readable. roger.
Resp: 11.06.06
